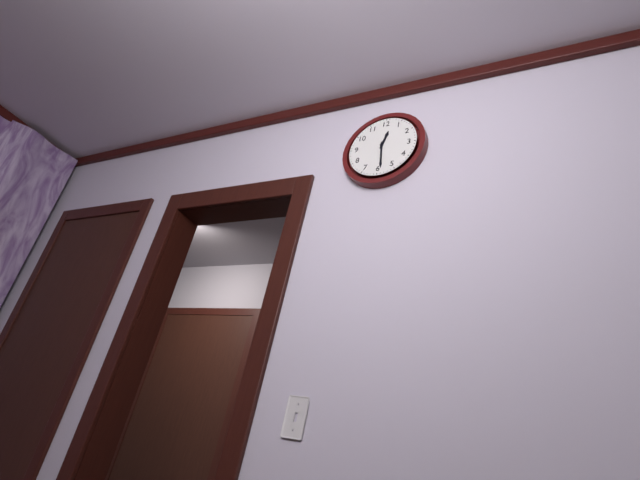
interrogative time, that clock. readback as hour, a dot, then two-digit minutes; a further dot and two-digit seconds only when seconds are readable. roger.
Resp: 12.29
